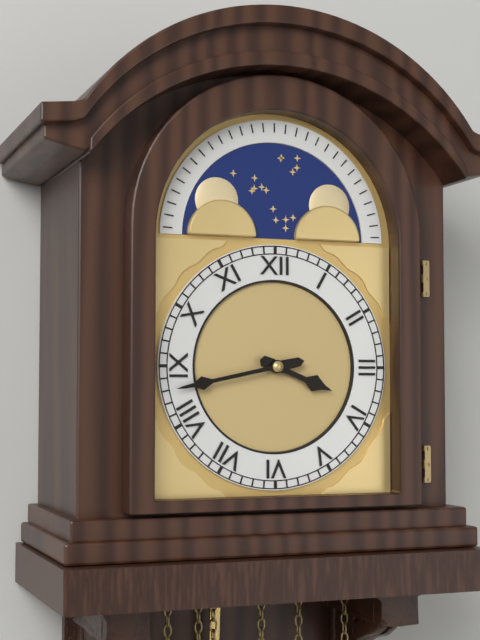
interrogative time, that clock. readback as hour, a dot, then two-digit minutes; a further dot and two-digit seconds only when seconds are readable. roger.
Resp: 3.43
